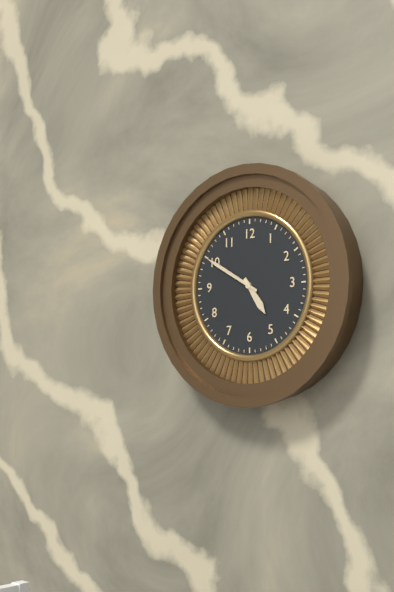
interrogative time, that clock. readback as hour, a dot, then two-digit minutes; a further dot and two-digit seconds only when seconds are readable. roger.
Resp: 4.50
